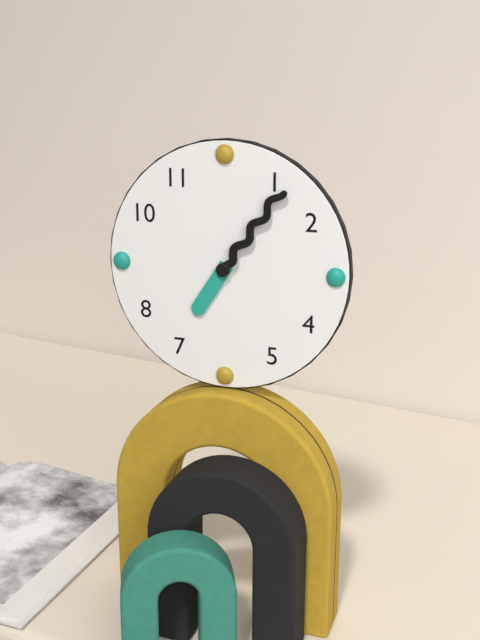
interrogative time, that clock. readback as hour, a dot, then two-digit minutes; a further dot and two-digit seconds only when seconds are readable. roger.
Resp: 7.06
